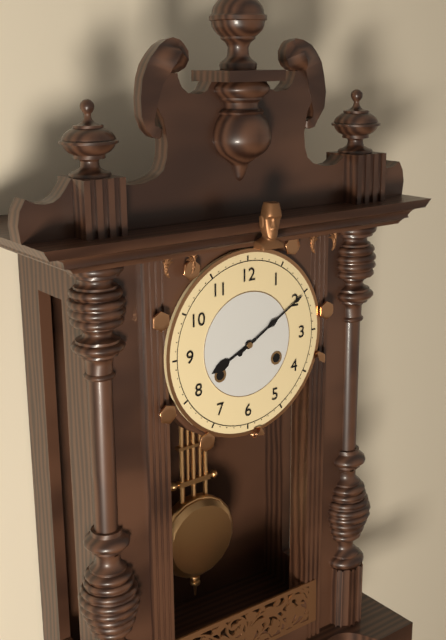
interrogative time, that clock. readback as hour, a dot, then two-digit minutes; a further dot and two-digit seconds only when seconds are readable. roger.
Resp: 8.10
